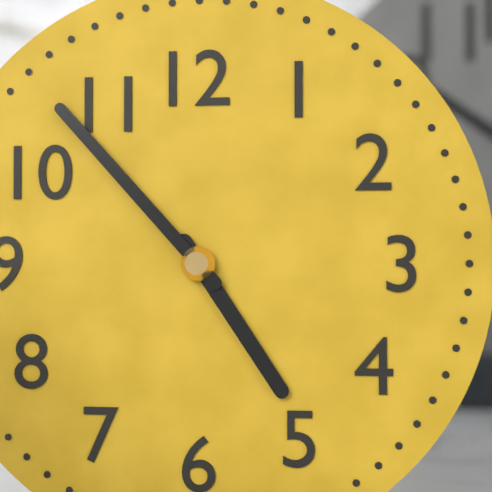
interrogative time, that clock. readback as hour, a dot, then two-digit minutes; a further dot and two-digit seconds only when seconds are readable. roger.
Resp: 4.53
